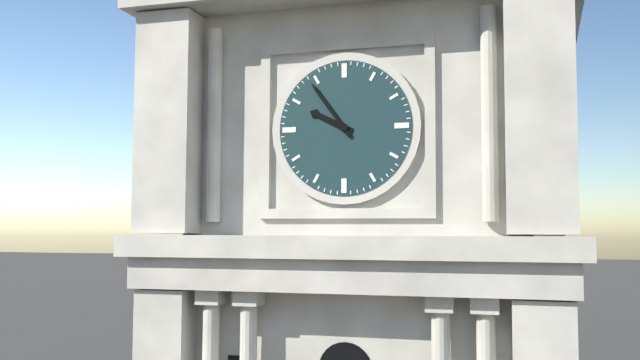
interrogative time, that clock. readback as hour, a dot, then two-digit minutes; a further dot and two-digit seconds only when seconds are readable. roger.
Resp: 9.54
